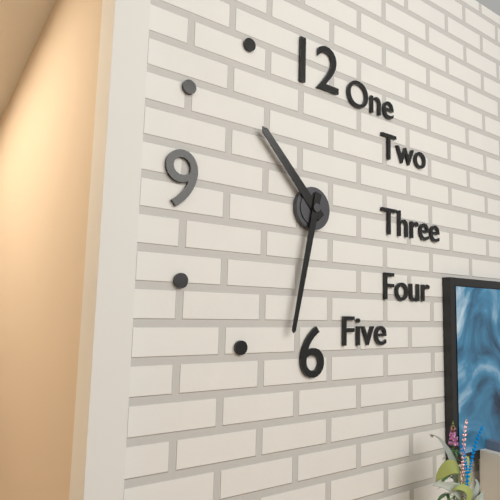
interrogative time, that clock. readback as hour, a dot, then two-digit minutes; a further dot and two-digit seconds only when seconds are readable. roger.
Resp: 10.32
